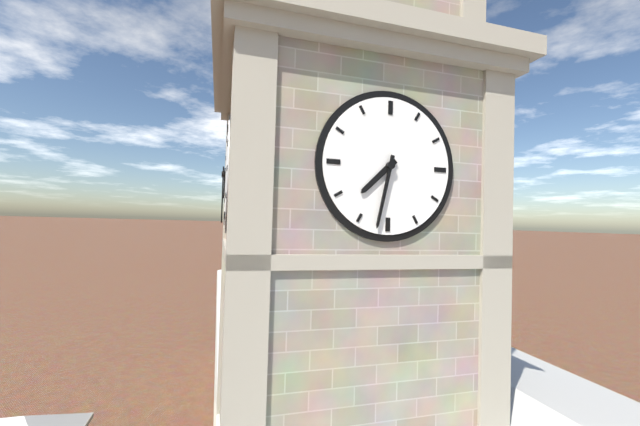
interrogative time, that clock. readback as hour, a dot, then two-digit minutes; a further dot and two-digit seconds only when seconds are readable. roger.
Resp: 7.32
